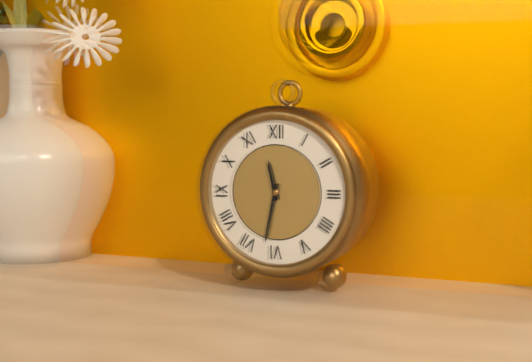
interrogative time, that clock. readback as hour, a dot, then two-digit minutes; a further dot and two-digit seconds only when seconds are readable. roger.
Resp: 11.32
